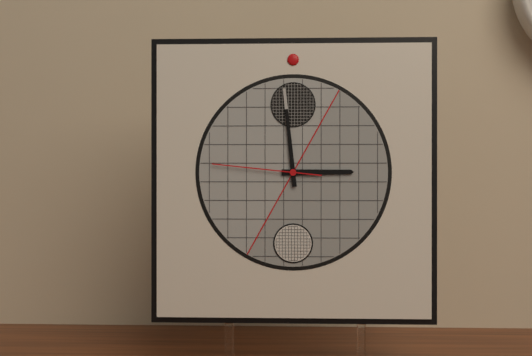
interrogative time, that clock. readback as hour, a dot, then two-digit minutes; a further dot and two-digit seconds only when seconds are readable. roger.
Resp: 2.59.46
